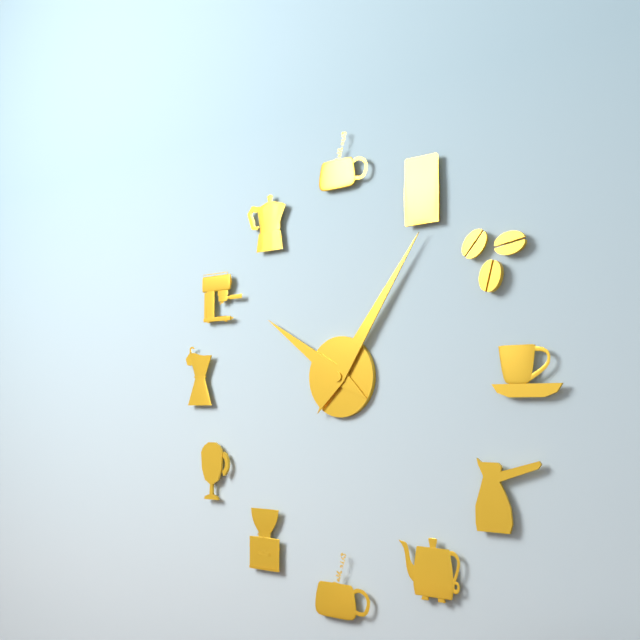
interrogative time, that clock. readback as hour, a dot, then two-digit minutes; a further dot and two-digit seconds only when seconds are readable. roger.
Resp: 10.06
